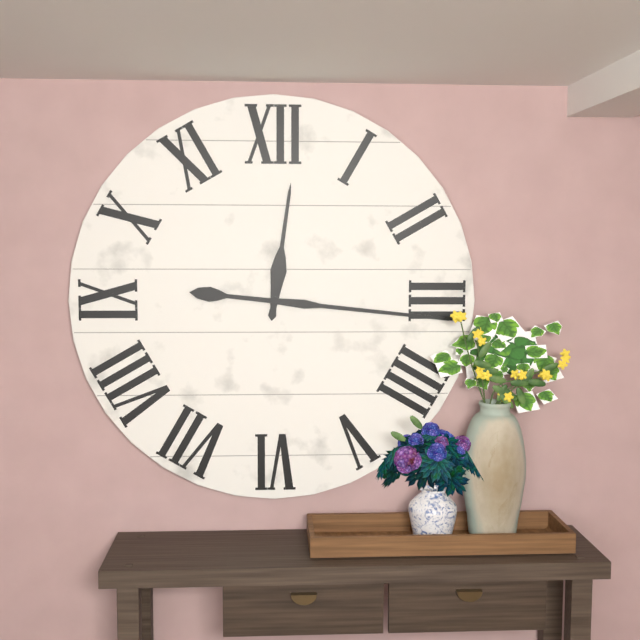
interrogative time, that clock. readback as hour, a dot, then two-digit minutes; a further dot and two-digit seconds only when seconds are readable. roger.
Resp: 12.16
